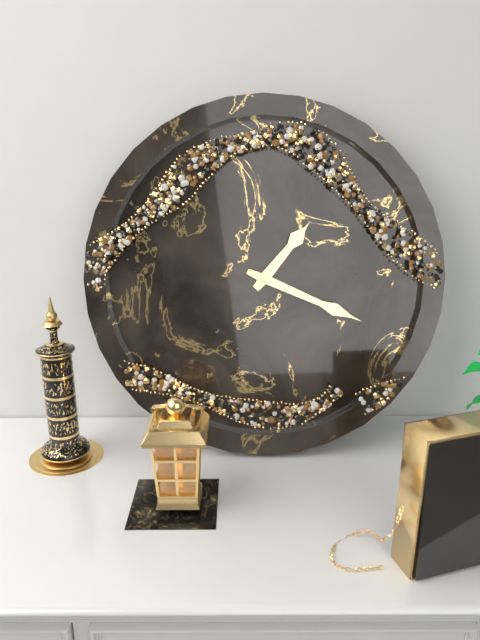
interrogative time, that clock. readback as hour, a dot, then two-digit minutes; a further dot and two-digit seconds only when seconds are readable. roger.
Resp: 1.19
